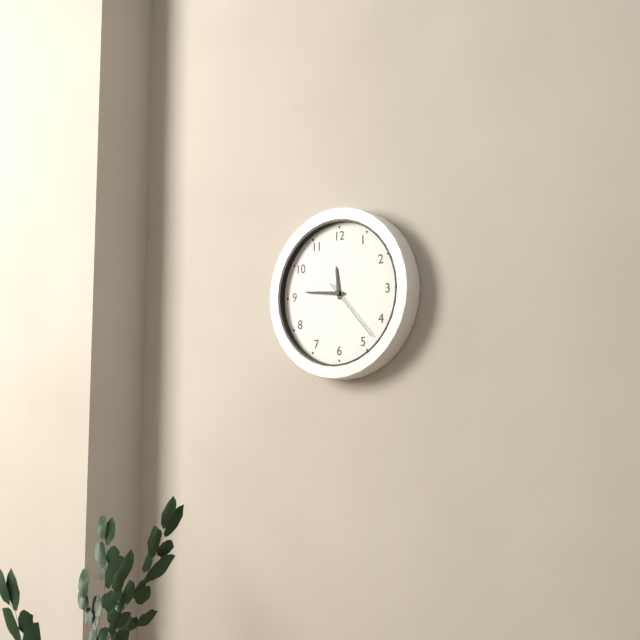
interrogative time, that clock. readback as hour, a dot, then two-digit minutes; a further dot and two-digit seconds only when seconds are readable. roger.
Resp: 11.46.23
